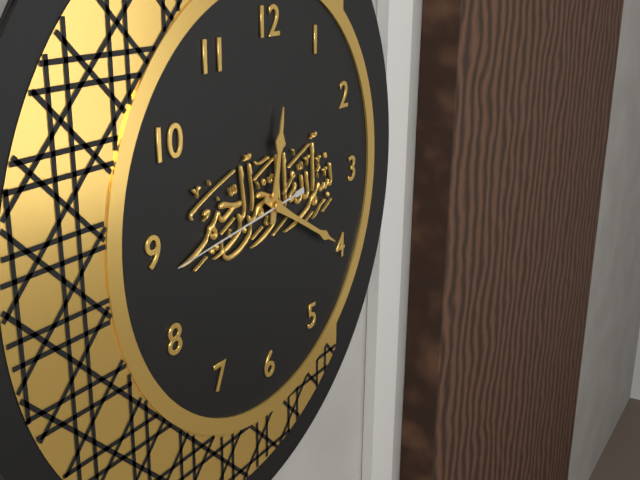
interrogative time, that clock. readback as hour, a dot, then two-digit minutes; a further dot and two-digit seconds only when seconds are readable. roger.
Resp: 12.20.44
